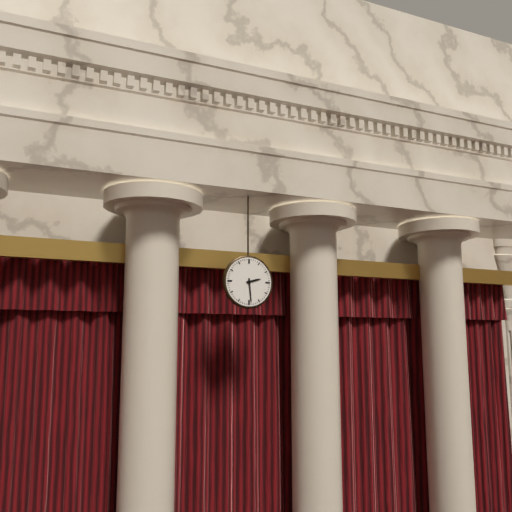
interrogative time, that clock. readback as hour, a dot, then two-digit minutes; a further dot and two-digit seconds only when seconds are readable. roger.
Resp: 2.29
